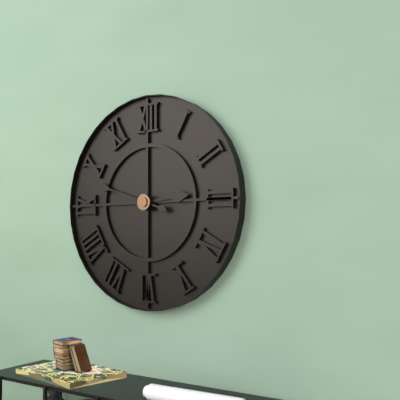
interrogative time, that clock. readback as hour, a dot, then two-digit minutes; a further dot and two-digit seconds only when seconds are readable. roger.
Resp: 2.48
